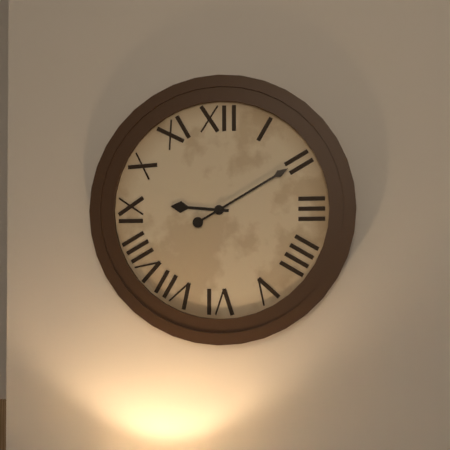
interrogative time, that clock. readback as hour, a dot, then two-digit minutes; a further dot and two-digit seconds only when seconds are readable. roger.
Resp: 9.10
